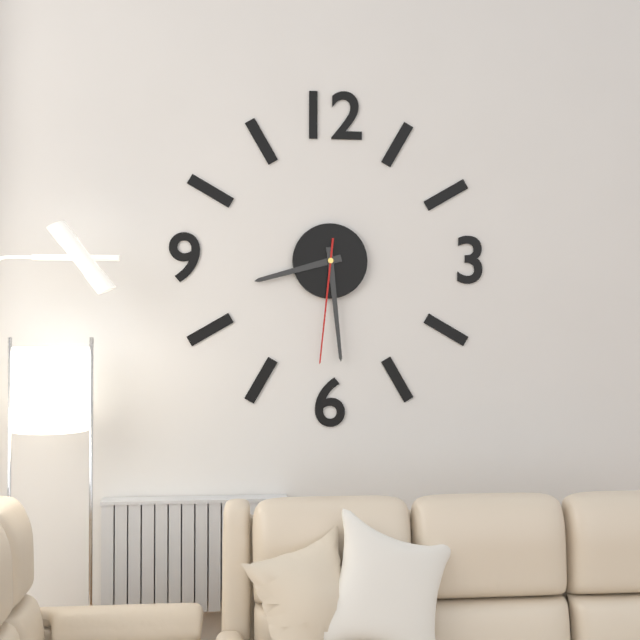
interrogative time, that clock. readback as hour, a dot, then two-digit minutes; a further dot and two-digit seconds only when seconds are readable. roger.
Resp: 8.29.31
